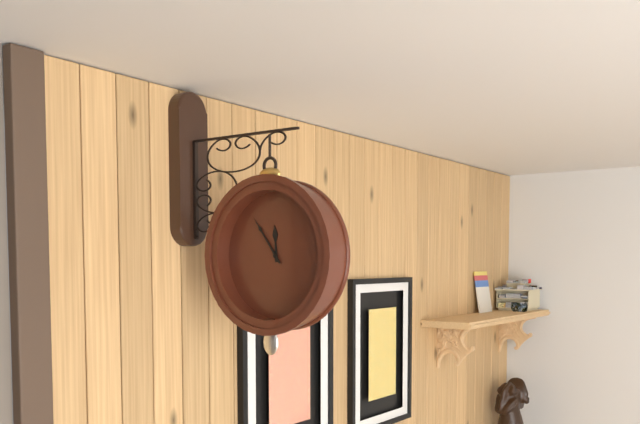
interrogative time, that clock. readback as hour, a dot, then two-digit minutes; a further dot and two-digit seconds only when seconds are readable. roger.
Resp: 11.54
